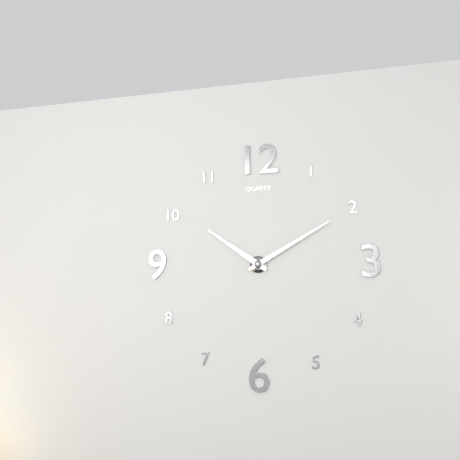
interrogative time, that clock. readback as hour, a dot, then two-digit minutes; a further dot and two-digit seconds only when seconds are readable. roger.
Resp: 10.10
